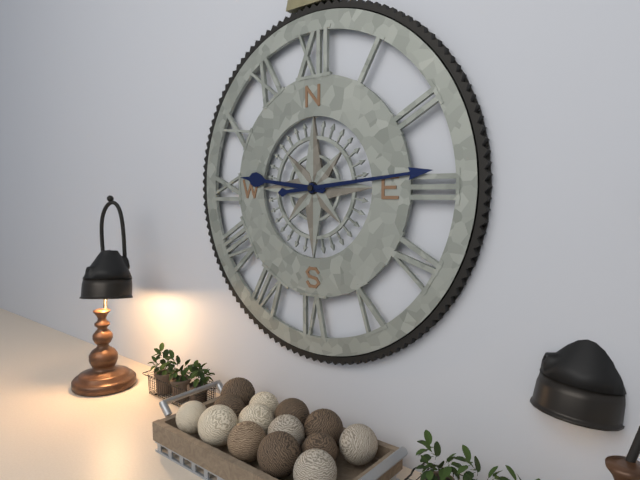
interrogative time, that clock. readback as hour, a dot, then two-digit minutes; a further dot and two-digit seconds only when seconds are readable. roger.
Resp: 9.14
